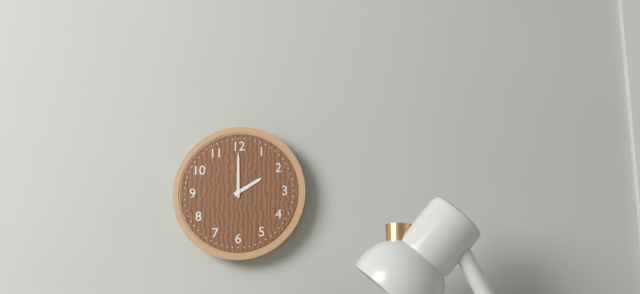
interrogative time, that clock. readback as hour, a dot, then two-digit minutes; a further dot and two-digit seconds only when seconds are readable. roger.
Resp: 2.00
